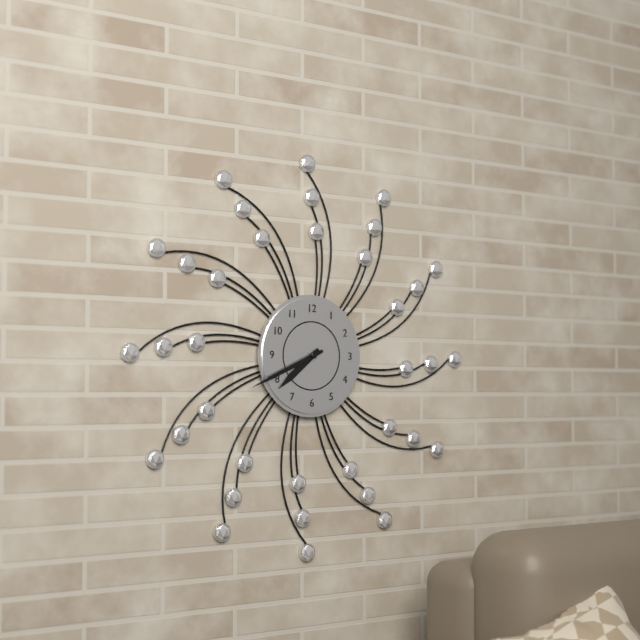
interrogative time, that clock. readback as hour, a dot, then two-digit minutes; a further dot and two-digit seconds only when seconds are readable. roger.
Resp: 7.41
